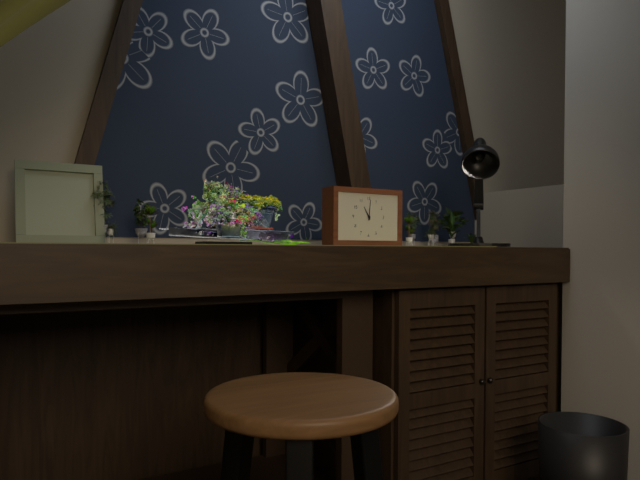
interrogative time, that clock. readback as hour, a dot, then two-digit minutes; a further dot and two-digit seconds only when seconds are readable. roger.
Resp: 11.01
